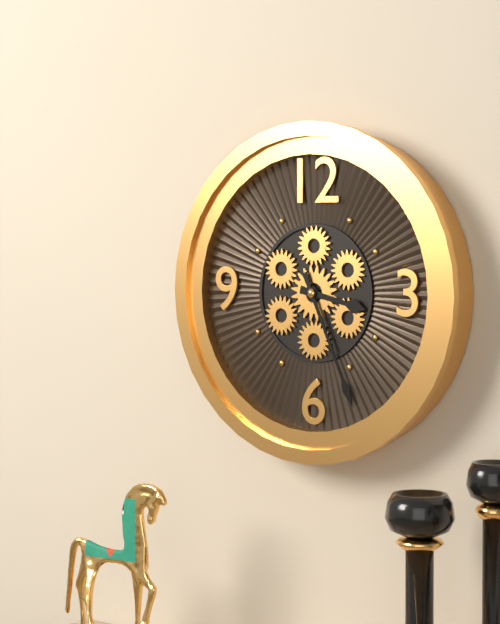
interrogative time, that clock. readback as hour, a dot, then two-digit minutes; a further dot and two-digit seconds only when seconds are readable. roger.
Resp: 3.26
